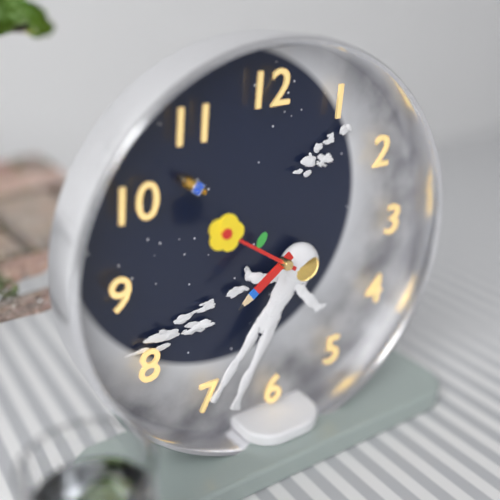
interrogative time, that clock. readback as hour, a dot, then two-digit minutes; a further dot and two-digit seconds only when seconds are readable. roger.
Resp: 7.51
